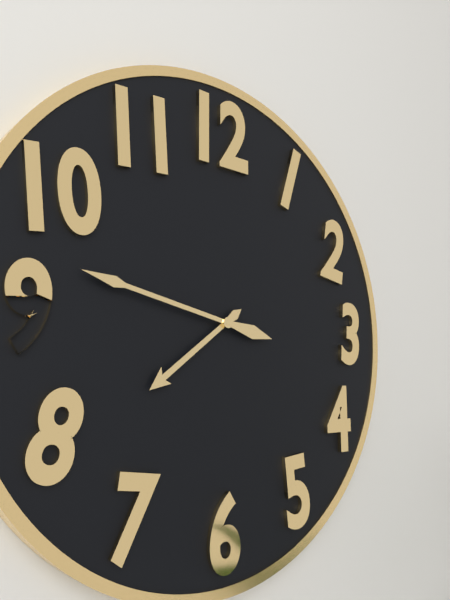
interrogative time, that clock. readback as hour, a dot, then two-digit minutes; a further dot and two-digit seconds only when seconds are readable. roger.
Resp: 7.47
